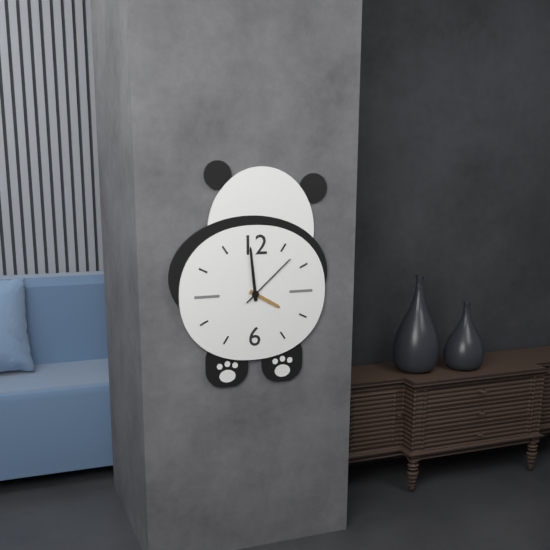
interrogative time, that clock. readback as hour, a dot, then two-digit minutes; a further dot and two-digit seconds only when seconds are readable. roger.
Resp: 3.59.08
